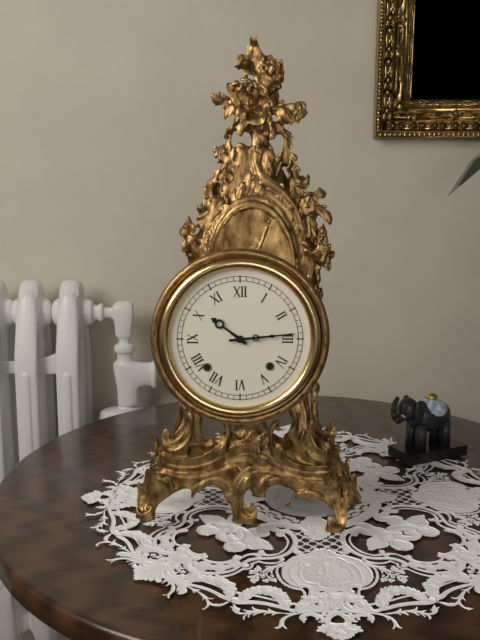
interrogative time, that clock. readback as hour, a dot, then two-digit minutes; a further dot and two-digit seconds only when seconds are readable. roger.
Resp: 10.14
